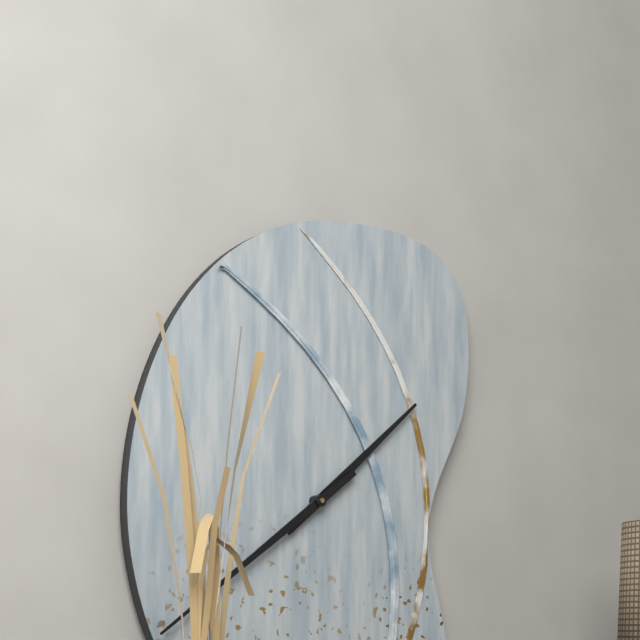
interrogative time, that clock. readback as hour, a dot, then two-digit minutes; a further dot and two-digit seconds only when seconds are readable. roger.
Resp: 1.39
